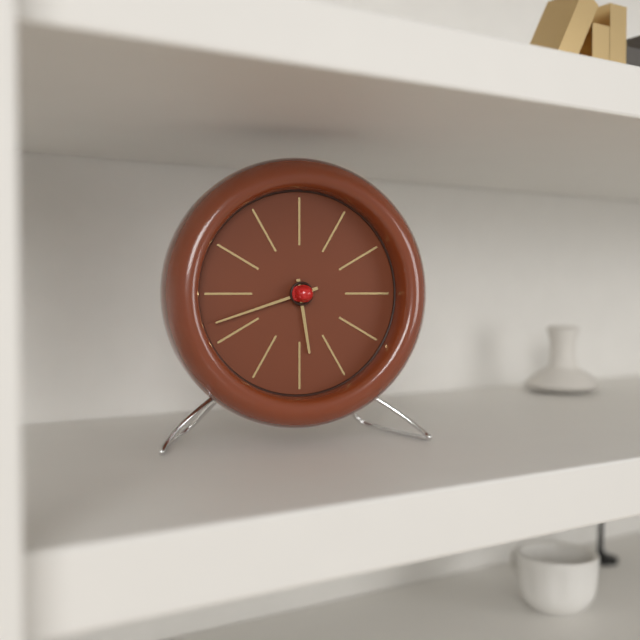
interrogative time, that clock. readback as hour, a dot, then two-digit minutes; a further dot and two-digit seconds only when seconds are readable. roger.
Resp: 5.42
